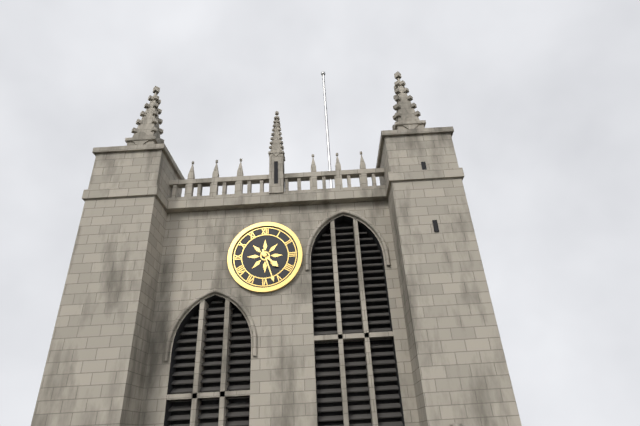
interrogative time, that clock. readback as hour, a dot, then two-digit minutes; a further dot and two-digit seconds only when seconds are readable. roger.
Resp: 4.27
